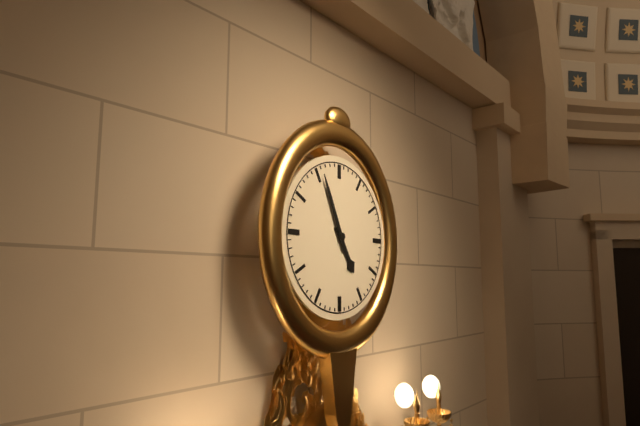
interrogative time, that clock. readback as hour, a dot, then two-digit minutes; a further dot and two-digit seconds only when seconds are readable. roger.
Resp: 4.56
